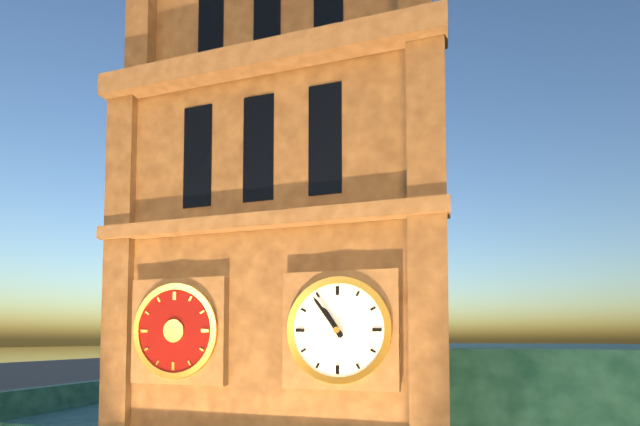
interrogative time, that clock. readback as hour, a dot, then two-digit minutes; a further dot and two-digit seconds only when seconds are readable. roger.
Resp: 10.54
